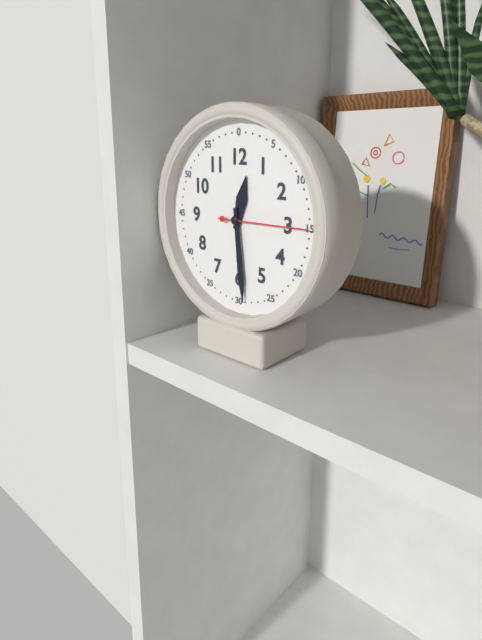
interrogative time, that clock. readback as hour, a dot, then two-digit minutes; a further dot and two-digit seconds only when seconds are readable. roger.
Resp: 12.29.15
